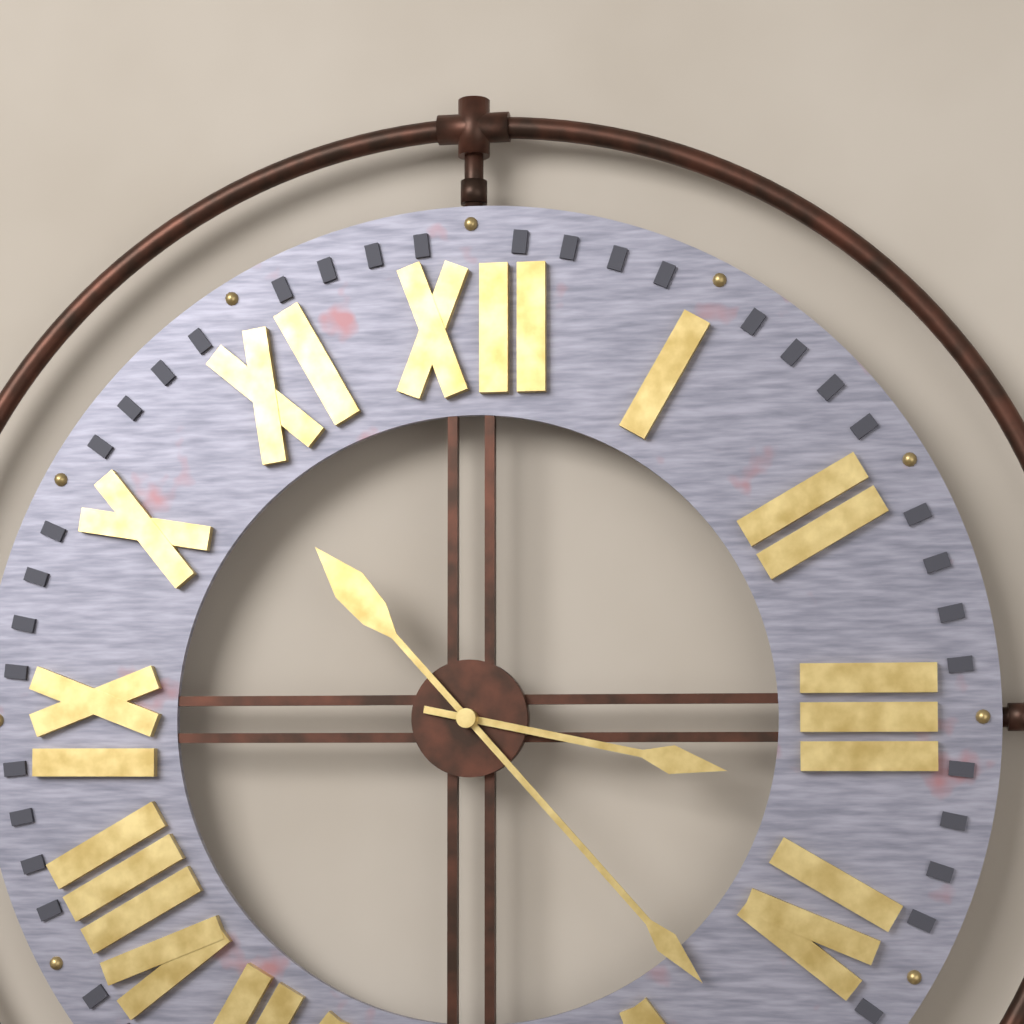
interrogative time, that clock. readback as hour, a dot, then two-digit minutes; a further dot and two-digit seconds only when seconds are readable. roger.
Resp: 3.23
